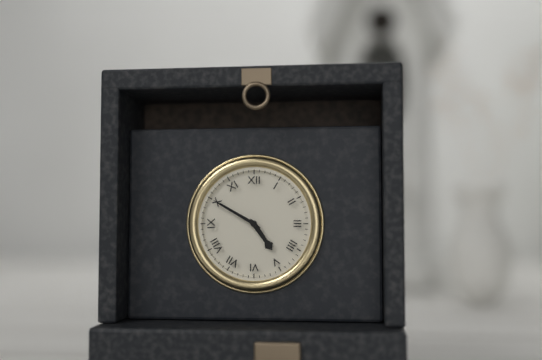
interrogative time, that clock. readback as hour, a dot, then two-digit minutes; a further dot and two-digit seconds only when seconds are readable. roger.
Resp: 4.50
